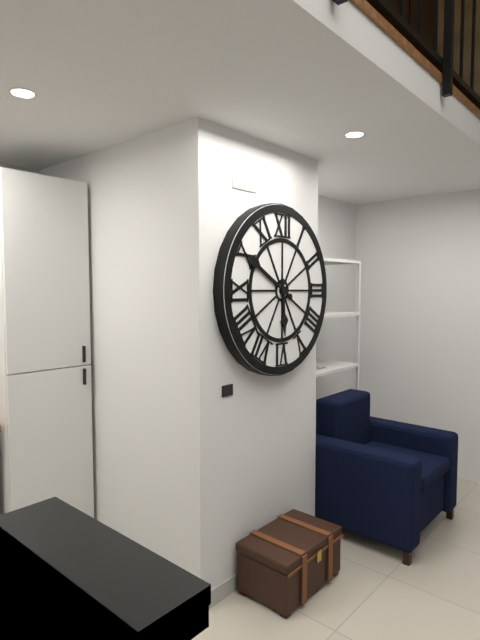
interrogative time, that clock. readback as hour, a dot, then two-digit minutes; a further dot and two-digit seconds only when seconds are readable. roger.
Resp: 5.50
